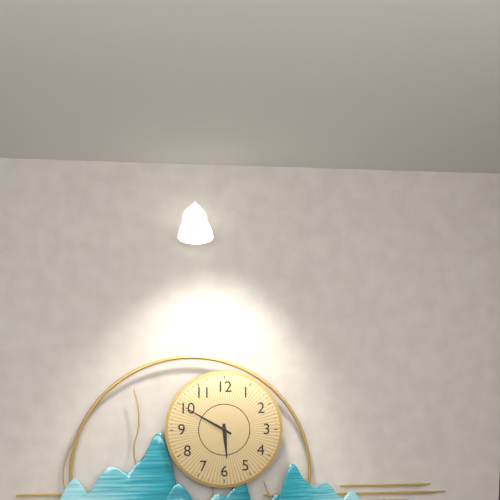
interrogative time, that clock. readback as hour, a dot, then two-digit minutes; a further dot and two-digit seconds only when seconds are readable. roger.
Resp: 5.50
